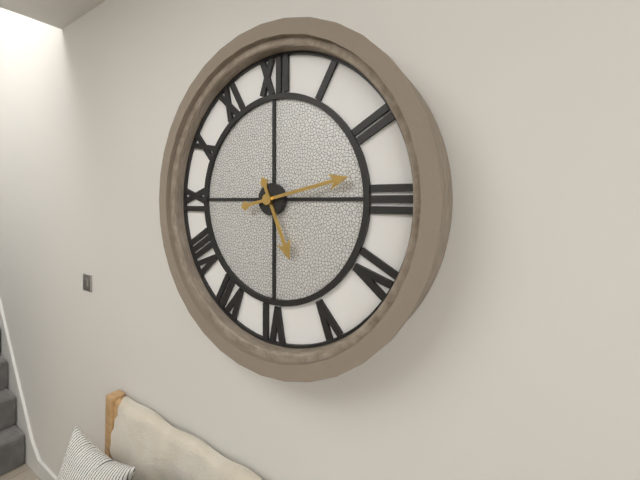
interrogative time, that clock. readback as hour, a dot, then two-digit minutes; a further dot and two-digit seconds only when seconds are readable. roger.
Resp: 5.13
